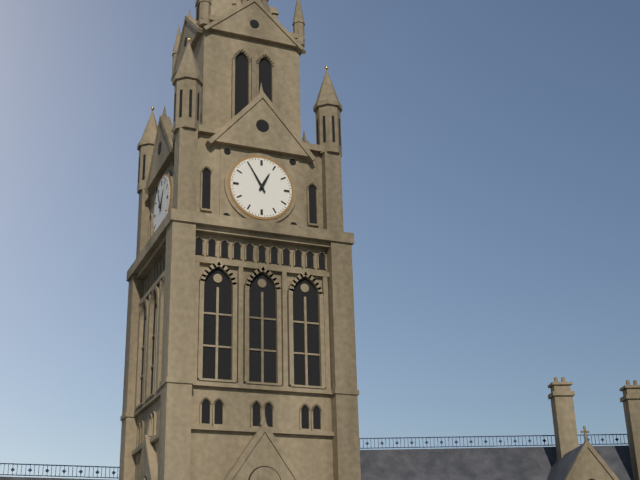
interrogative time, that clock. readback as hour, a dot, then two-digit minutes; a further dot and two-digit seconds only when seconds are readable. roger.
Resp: 12.55
